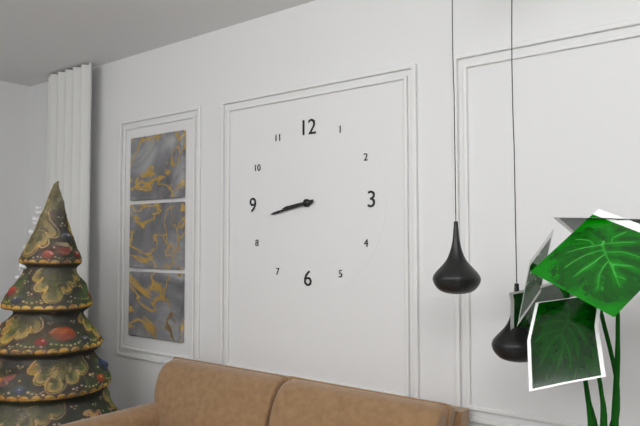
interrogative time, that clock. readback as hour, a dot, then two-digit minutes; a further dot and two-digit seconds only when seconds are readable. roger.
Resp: 8.43
